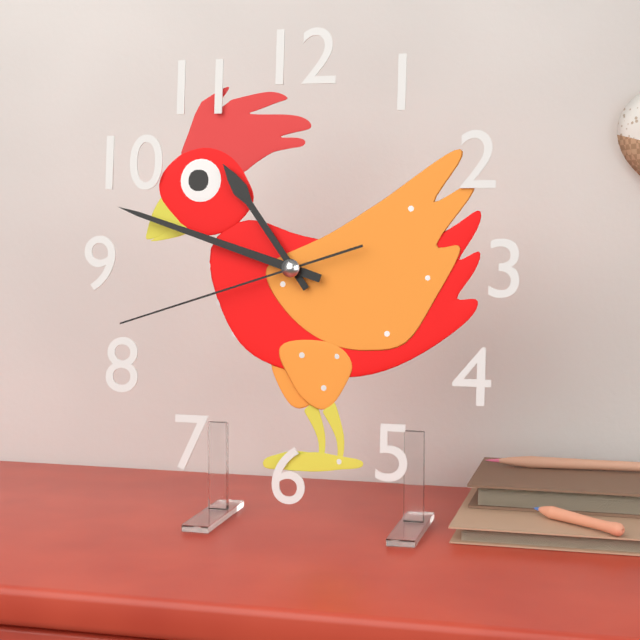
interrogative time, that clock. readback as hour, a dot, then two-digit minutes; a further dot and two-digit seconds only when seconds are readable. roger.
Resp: 10.48.42
